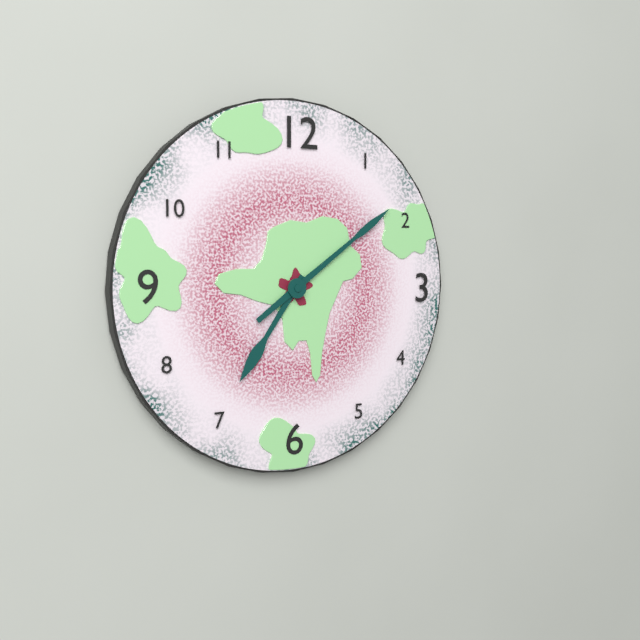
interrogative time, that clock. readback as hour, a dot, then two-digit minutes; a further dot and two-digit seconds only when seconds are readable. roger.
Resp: 7.09
